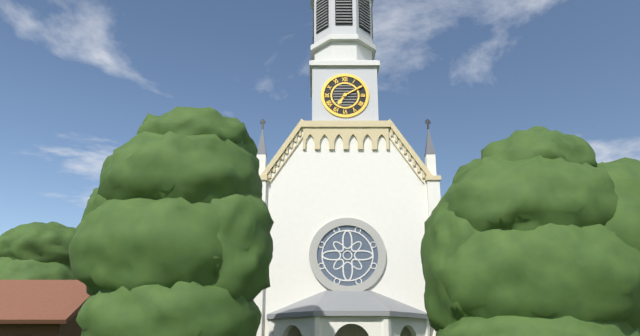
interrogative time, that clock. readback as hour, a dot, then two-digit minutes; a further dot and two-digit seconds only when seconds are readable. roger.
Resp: 7.10
